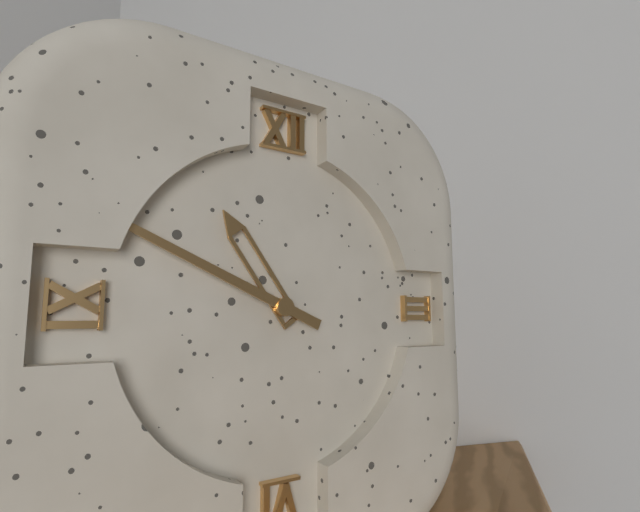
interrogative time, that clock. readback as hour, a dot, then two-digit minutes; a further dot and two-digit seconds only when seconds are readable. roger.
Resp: 10.49
